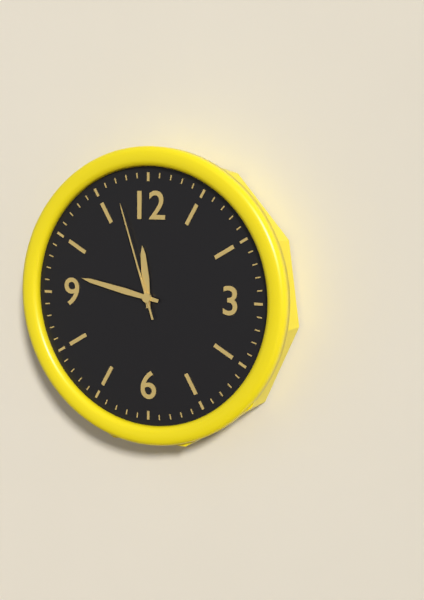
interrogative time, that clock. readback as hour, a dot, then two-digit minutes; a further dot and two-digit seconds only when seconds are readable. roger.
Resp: 11.47.57
